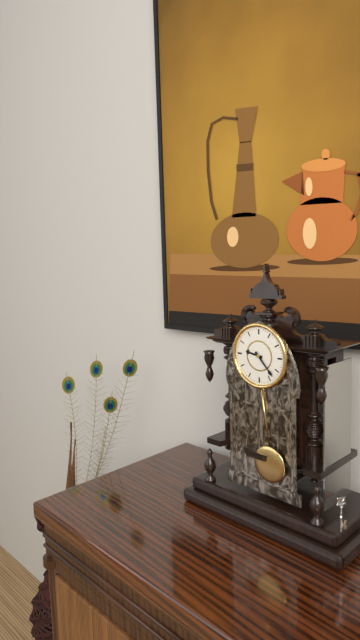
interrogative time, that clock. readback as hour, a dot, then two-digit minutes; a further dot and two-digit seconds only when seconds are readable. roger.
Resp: 9.23
